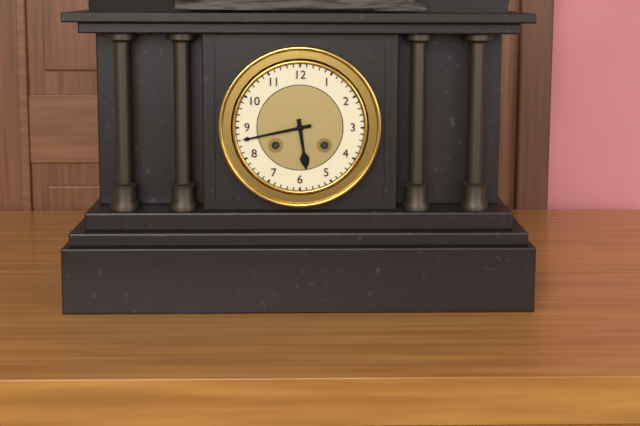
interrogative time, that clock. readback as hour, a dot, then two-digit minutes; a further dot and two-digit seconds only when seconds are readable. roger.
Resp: 5.43
